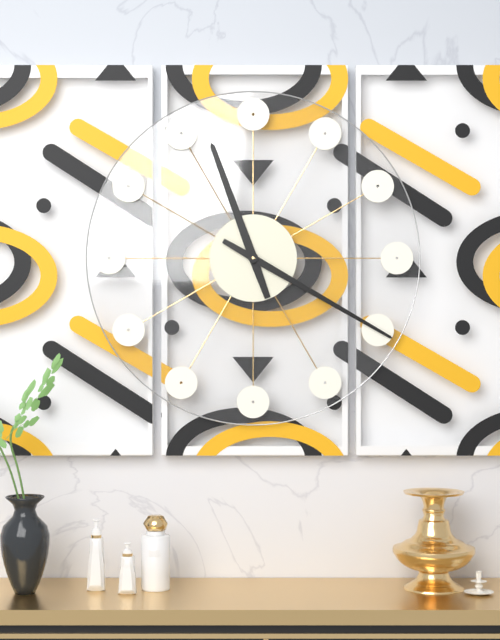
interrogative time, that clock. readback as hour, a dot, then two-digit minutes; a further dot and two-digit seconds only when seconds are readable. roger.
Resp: 11.20
